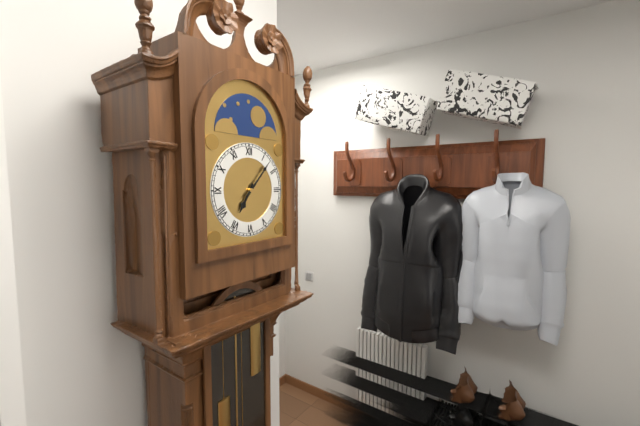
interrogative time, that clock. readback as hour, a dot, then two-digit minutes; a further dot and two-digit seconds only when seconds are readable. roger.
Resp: 7.07
